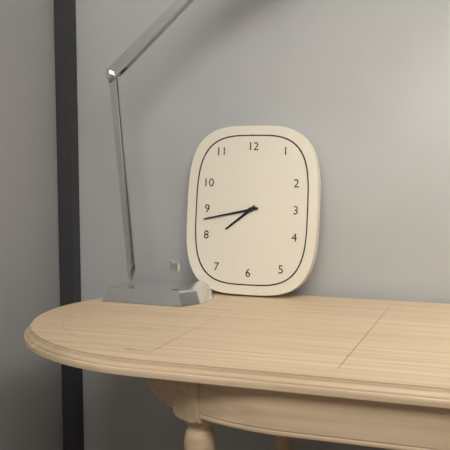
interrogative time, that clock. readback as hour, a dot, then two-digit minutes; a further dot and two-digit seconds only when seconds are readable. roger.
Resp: 7.43
